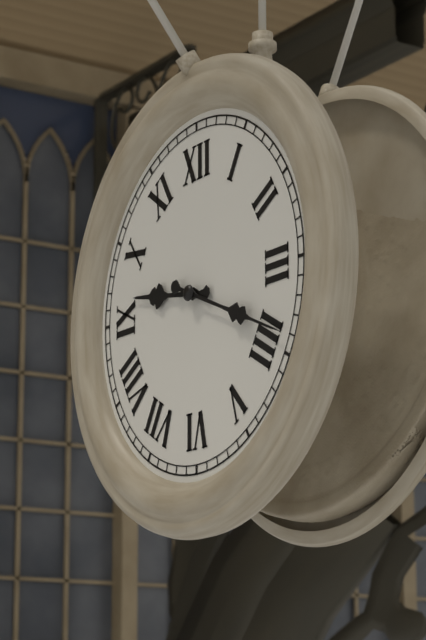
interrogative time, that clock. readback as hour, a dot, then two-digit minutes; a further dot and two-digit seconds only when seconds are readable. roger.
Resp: 9.19
